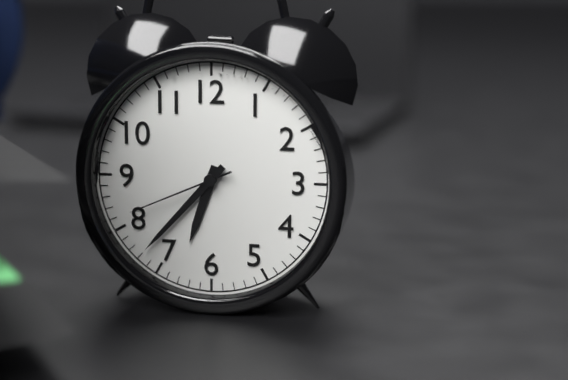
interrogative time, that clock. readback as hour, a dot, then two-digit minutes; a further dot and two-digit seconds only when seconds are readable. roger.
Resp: 6.37.41
